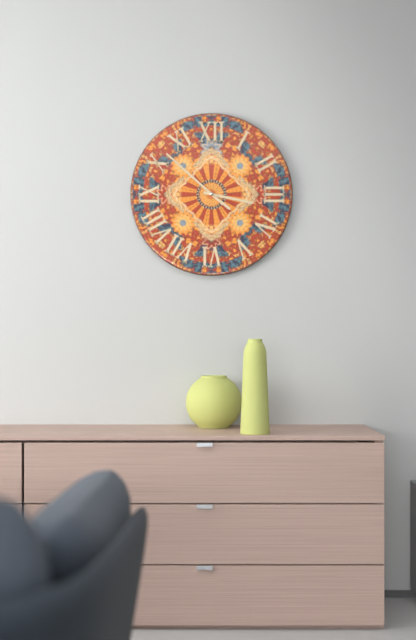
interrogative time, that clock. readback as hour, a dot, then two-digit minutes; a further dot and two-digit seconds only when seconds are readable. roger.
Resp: 4.17.52
